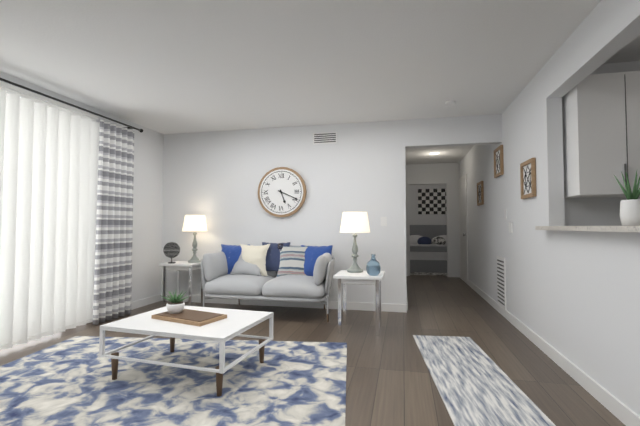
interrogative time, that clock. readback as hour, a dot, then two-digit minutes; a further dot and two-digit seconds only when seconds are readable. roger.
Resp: 5.19
